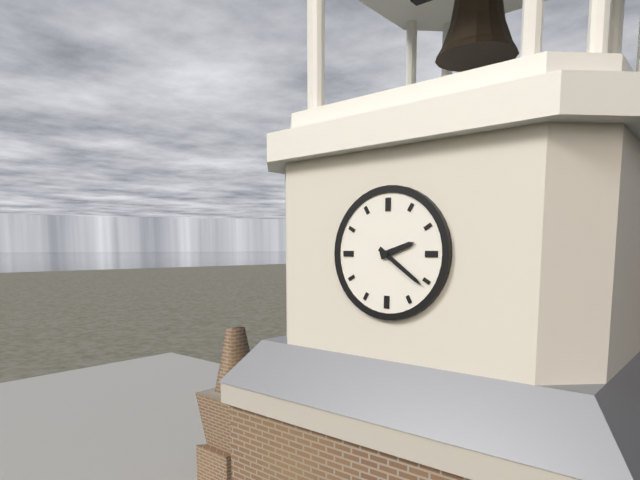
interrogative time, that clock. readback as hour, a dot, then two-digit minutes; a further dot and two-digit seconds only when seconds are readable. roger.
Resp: 2.21
